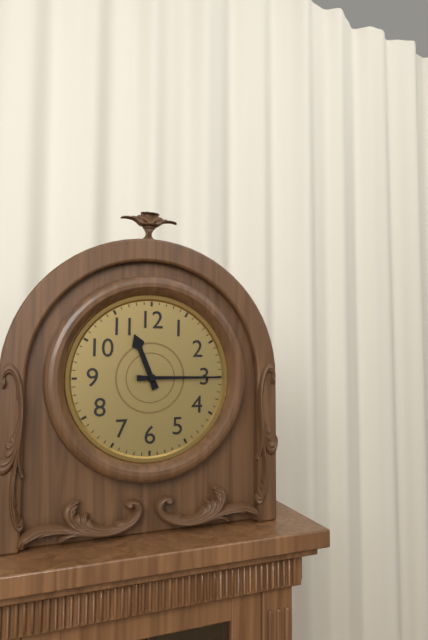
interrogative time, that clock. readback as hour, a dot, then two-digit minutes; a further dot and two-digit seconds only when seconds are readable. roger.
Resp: 11.15
